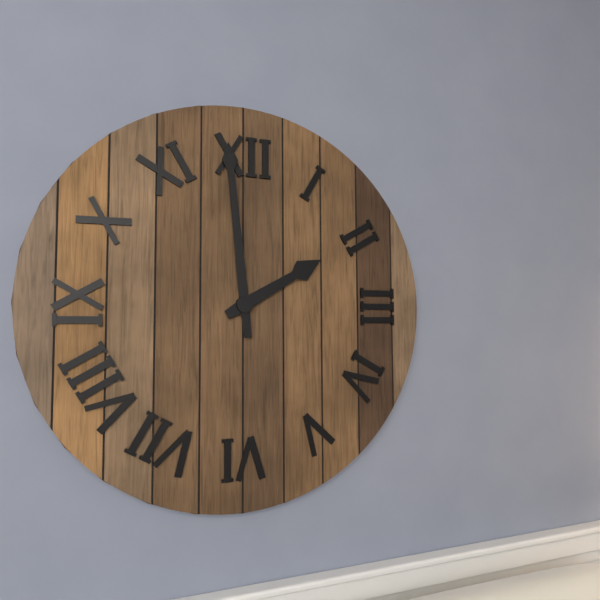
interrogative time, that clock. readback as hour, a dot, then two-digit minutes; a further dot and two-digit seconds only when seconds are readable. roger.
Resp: 1.59
